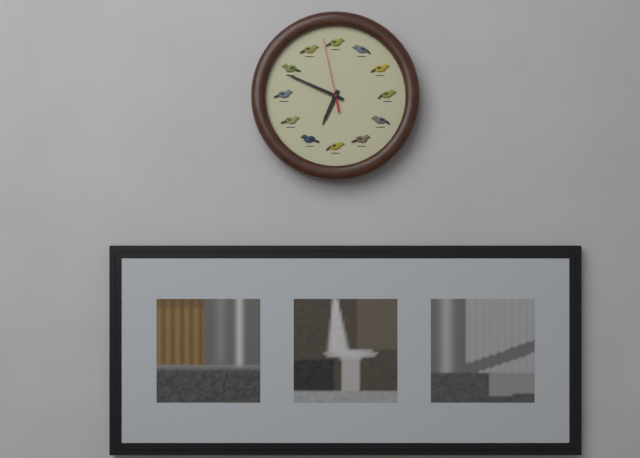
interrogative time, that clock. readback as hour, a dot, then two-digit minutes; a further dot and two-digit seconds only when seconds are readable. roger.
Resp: 6.49.58
